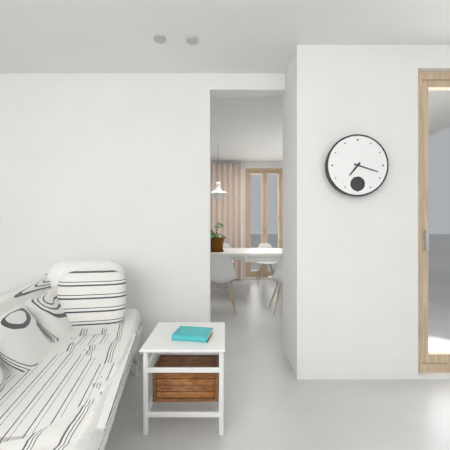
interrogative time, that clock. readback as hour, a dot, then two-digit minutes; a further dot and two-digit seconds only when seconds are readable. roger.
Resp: 7.18
